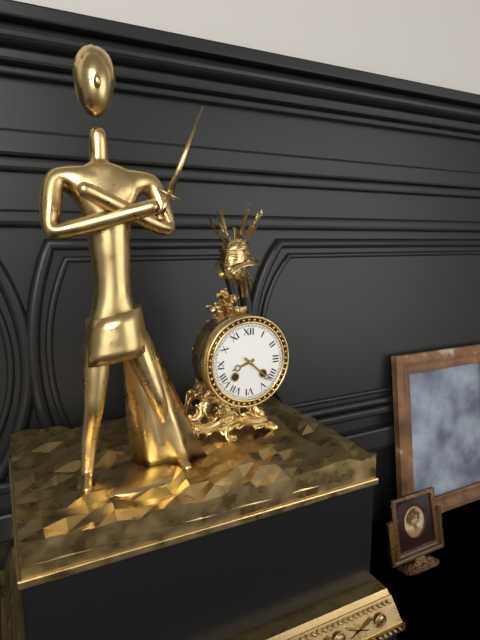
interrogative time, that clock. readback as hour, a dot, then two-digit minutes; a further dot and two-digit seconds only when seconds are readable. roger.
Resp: 8.22
